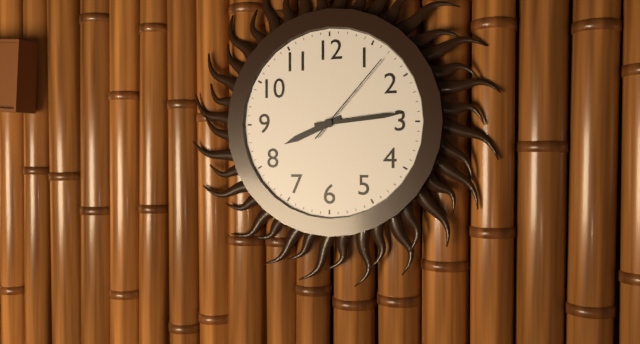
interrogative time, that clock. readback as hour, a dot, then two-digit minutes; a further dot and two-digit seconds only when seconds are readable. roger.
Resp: 8.14.07
